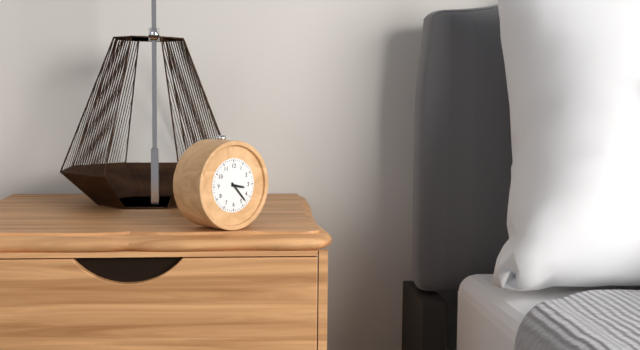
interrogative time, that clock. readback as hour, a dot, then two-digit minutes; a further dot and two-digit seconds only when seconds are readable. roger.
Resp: 3.23
